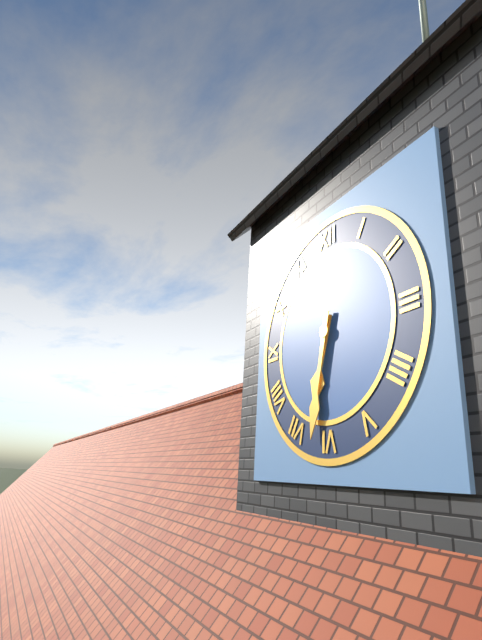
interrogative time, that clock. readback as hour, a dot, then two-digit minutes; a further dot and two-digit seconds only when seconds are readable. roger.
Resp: 6.32
